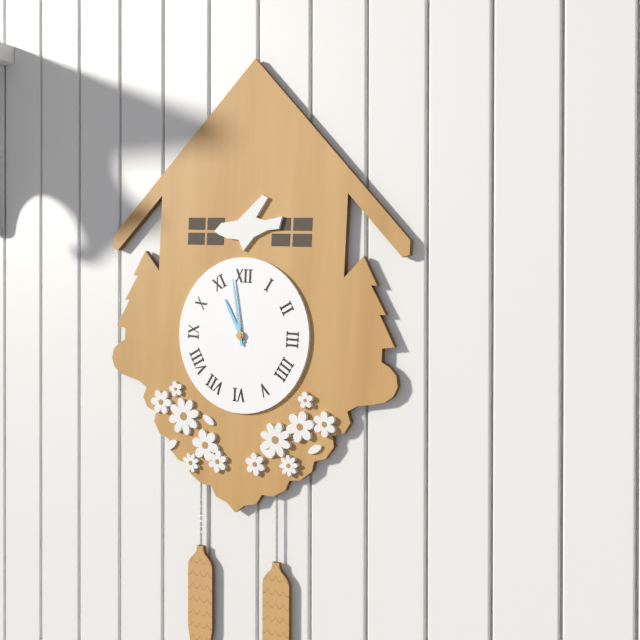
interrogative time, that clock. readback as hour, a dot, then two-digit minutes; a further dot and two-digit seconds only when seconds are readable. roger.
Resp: 10.58
